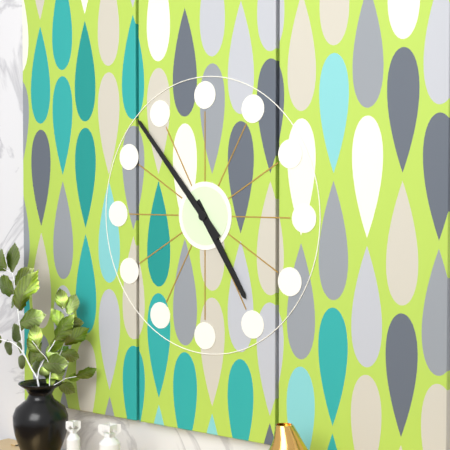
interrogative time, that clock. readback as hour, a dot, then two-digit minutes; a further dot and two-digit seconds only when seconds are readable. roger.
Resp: 4.53
